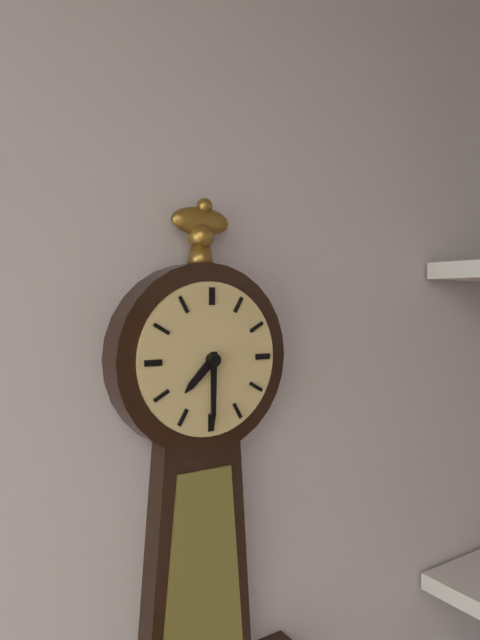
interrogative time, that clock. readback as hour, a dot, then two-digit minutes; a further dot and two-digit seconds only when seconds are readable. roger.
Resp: 7.30
